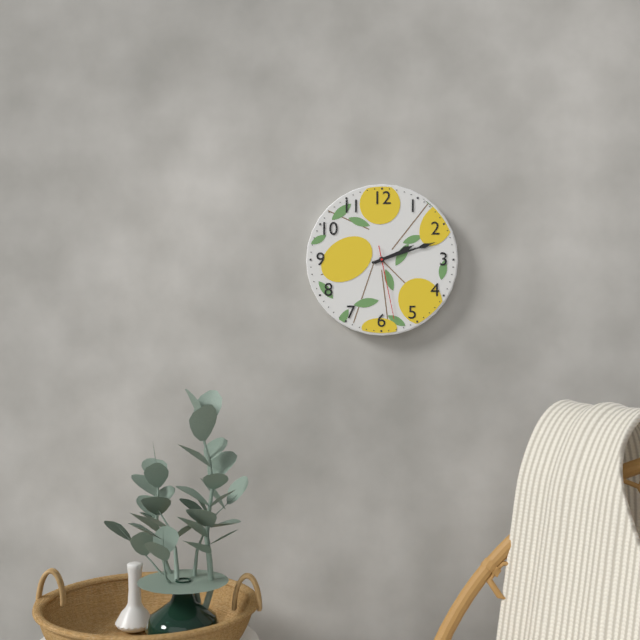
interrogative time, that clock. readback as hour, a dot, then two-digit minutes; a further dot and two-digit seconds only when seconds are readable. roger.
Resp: 2.12.28
